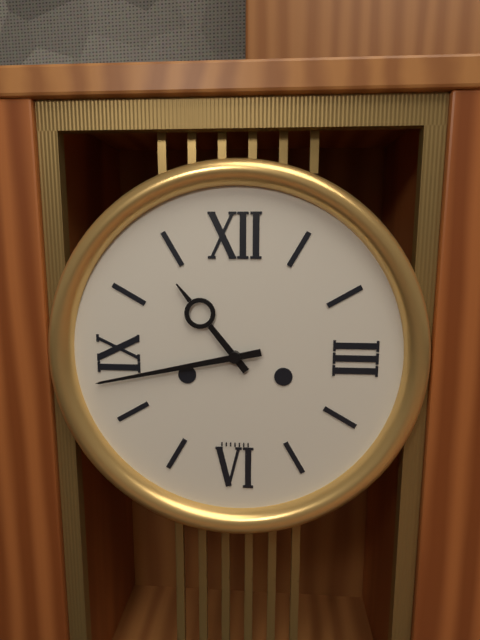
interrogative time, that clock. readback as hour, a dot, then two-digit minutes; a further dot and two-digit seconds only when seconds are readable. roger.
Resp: 10.43
